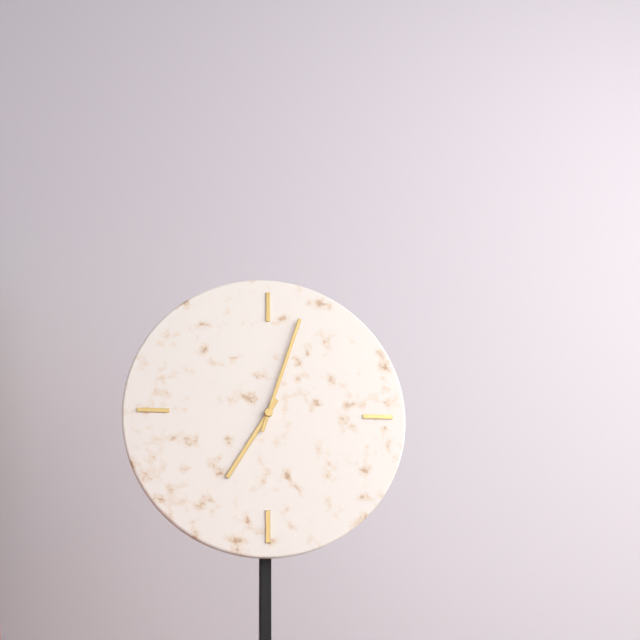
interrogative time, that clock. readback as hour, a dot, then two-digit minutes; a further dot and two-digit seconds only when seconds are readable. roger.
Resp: 7.03
